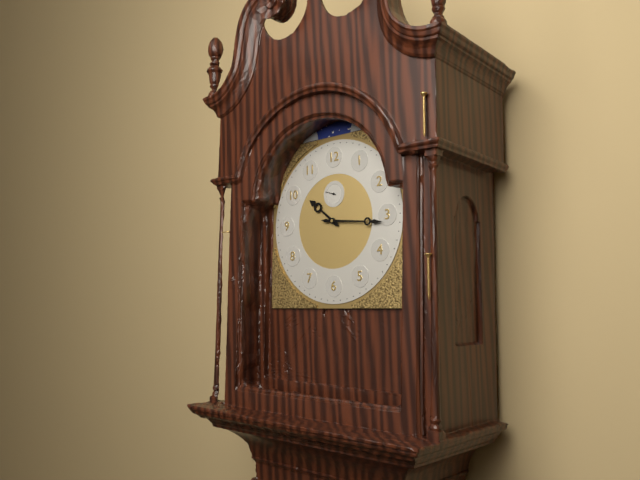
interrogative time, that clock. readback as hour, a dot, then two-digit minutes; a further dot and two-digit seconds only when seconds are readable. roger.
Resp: 10.16
